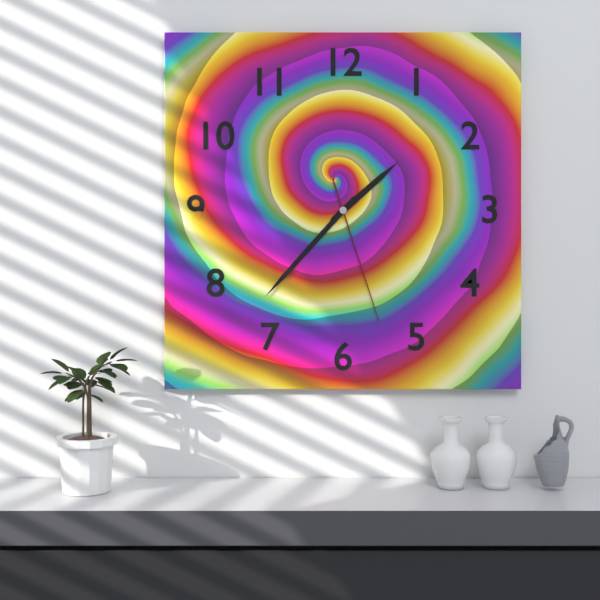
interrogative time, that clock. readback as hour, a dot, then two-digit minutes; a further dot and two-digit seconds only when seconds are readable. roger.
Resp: 1.37.27
